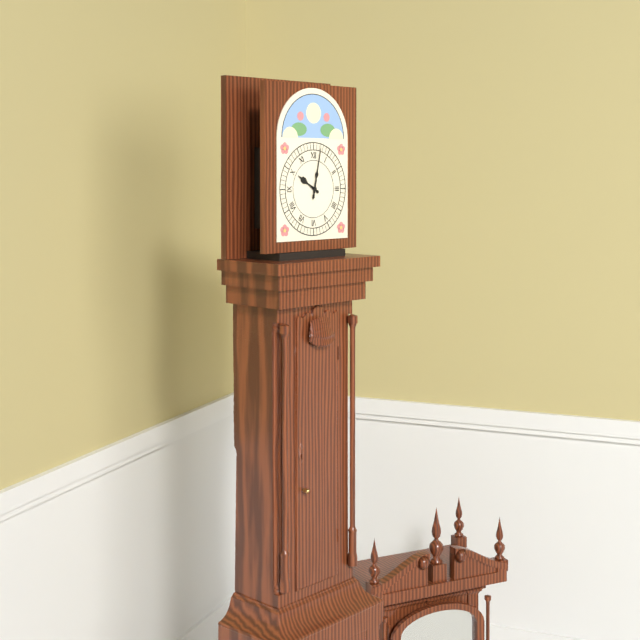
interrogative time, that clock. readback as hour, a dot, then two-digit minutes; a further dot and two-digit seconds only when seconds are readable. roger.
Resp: 10.02
